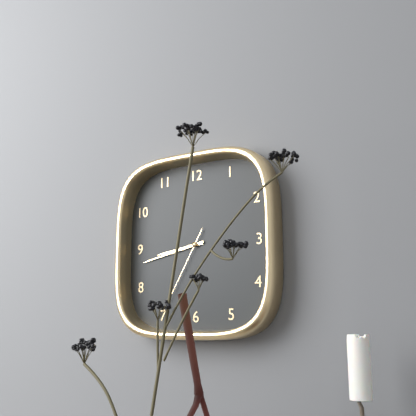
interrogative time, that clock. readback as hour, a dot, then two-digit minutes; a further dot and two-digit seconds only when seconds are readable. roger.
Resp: 8.43.35
